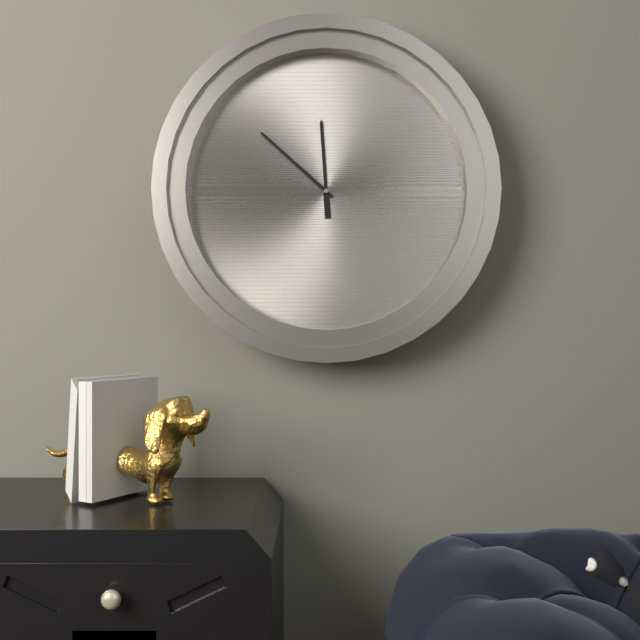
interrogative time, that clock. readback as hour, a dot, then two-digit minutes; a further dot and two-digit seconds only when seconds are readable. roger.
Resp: 11.52
